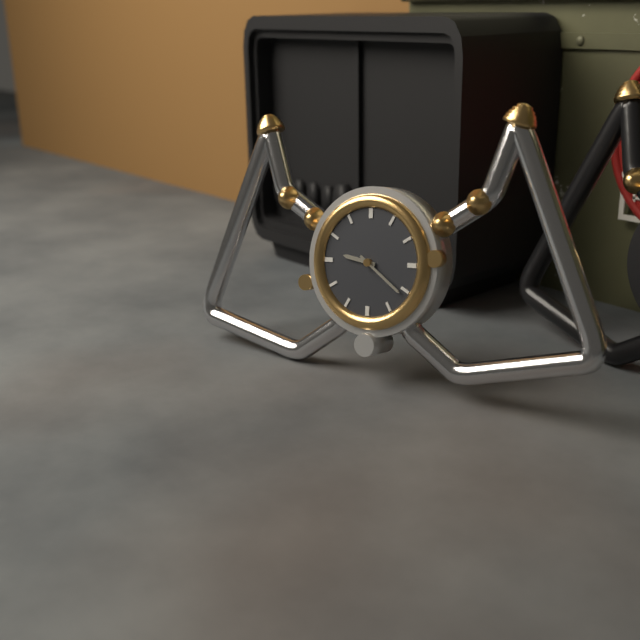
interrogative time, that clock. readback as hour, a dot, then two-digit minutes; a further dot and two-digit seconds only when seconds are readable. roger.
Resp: 9.21
